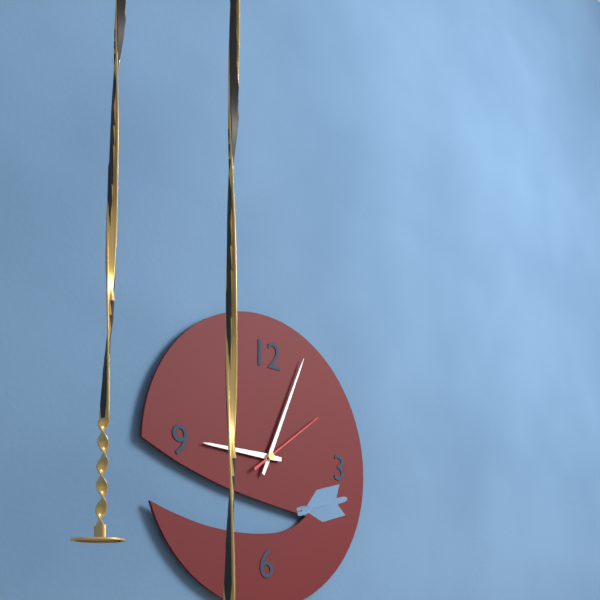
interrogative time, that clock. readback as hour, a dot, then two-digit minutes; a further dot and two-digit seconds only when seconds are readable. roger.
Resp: 9.04.09
